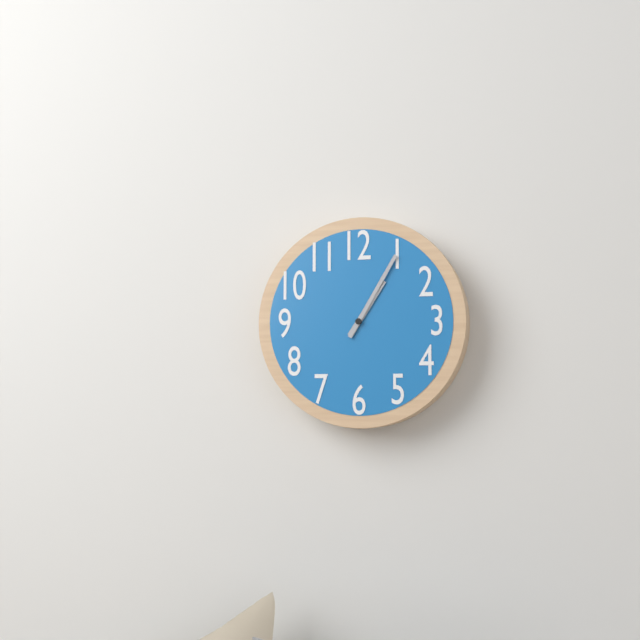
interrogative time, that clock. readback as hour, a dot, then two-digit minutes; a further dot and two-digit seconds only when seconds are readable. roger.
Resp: 1.05
